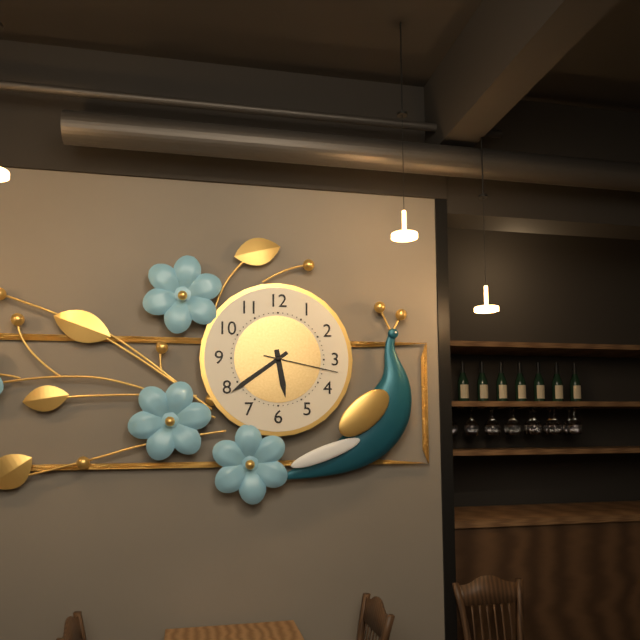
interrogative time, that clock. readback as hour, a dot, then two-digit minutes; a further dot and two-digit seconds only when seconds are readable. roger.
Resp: 5.39.17
